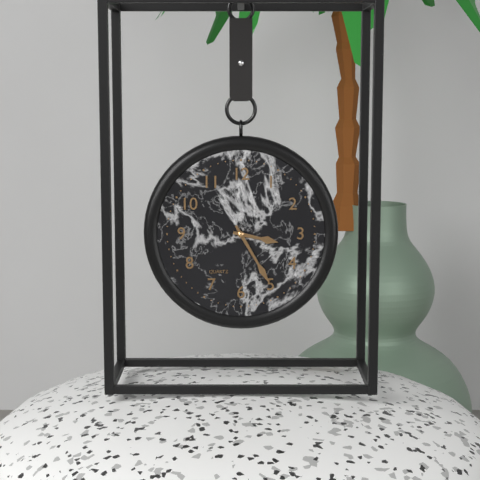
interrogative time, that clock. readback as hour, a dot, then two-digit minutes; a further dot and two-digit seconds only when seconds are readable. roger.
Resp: 3.25
